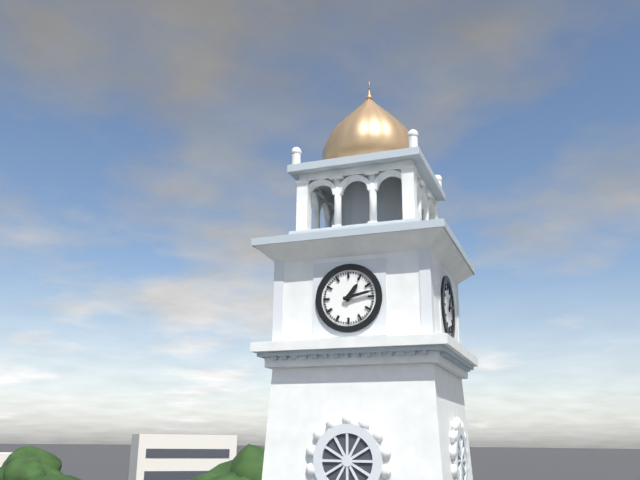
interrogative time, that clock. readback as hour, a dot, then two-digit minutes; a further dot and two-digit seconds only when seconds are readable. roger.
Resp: 1.13
